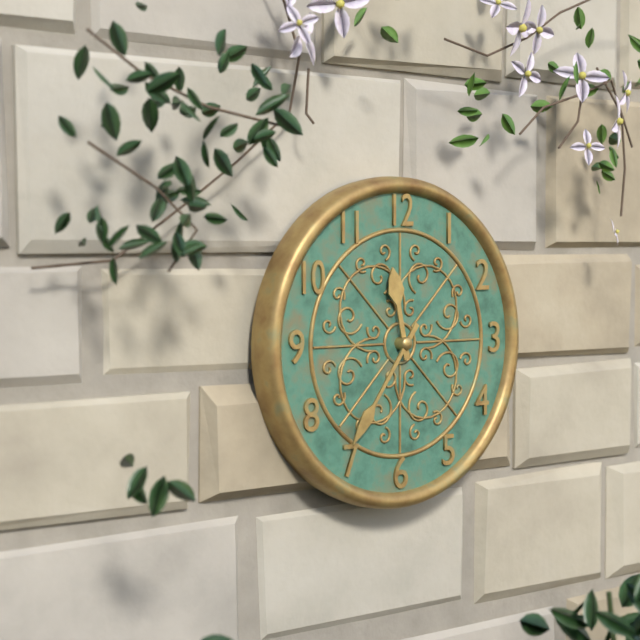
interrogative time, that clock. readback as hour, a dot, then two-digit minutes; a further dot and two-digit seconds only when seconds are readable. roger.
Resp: 11.36
